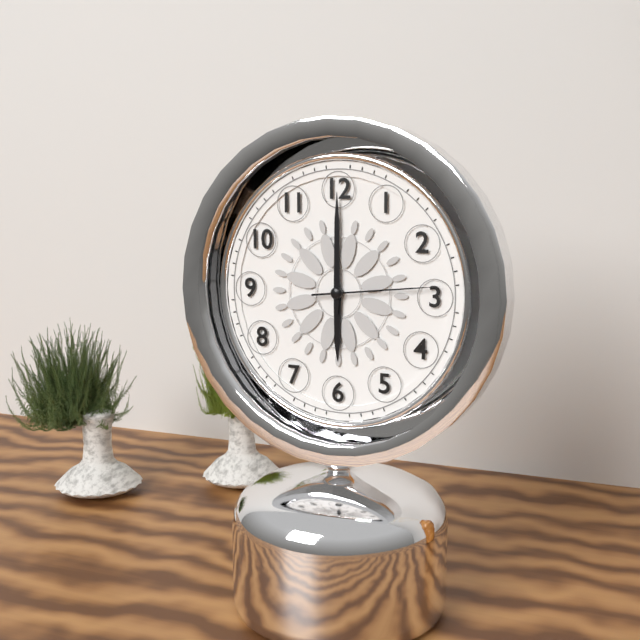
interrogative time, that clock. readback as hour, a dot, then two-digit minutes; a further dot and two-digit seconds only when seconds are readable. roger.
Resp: 6.00.14
